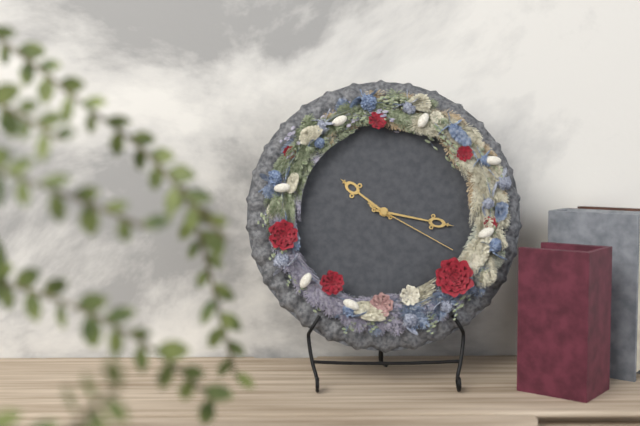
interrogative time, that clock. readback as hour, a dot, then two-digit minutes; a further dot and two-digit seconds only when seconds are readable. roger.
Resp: 10.17.20
